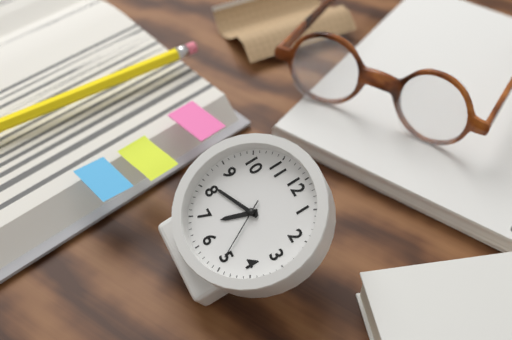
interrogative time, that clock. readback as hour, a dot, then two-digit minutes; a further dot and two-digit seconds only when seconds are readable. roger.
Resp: 6.41.25
